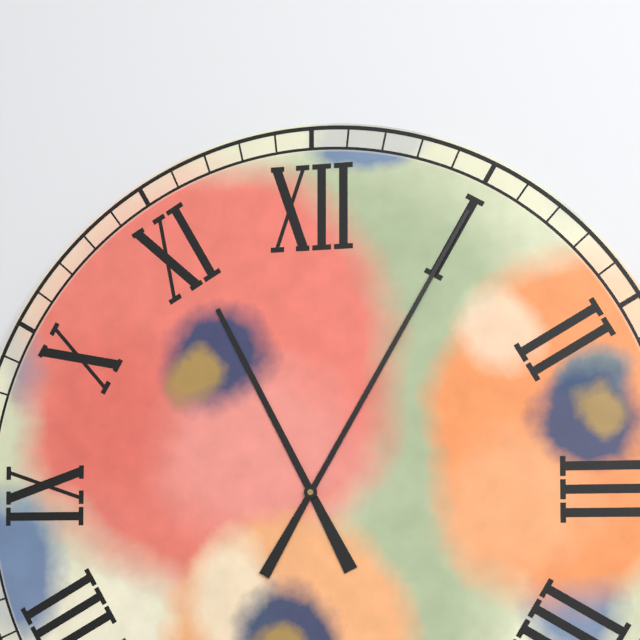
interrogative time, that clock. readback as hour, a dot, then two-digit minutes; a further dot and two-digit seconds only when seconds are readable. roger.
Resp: 11.05
